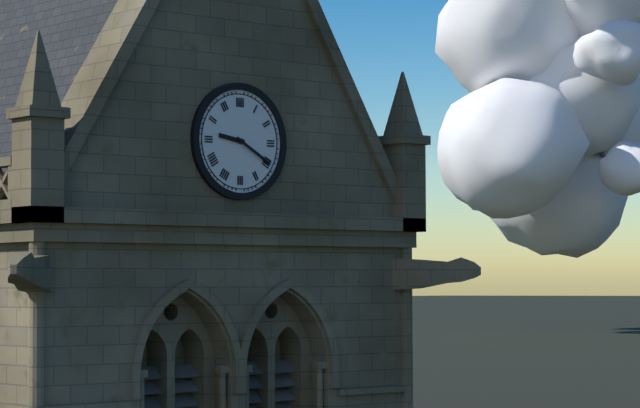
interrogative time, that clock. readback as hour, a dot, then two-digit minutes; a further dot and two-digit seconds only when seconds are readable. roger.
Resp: 9.20
